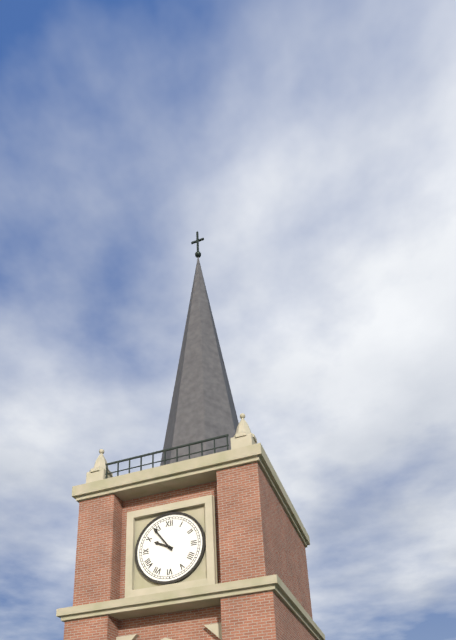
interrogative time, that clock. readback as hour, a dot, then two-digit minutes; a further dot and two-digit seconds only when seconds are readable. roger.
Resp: 9.54
